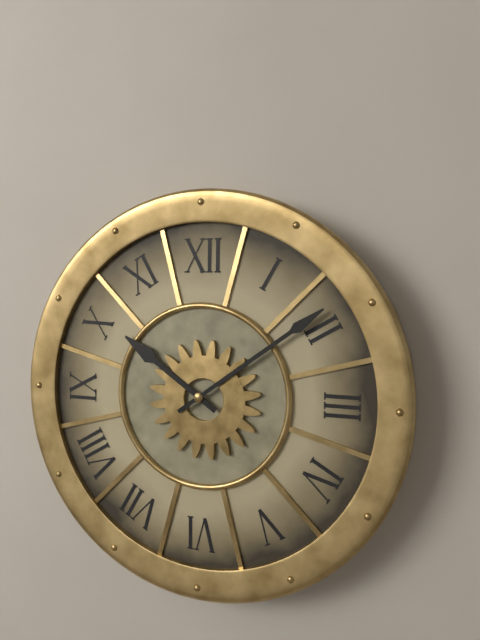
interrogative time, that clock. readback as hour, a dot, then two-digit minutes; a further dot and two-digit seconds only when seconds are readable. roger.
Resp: 10.09
